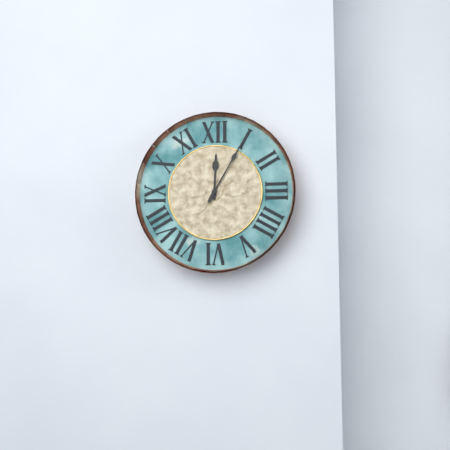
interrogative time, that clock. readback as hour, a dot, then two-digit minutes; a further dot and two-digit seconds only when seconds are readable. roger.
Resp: 12.05
